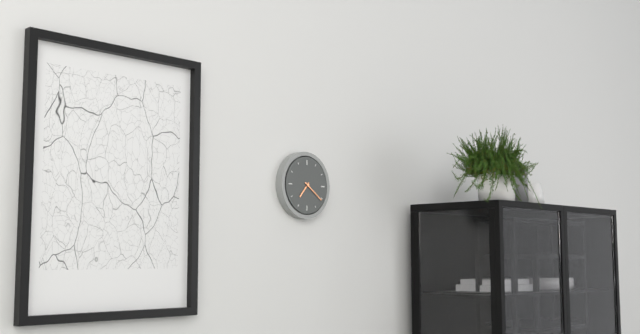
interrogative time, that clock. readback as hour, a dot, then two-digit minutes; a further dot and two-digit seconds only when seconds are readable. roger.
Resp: 7.21
